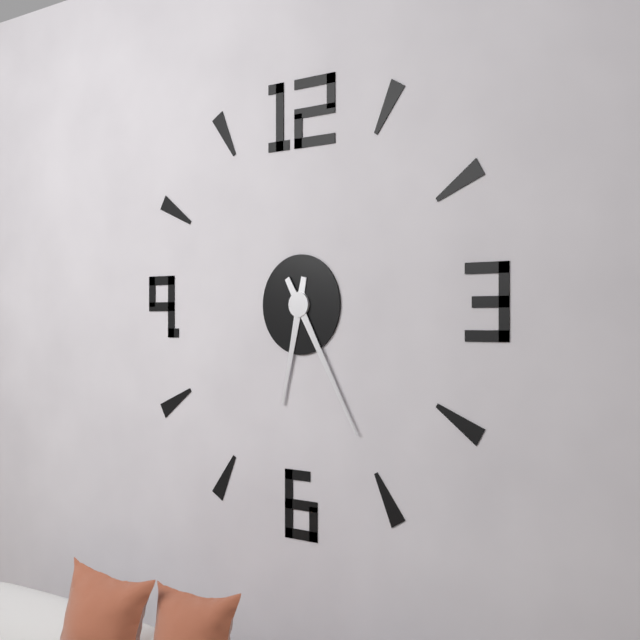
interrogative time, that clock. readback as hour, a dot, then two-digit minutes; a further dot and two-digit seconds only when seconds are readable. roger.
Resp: 6.25
